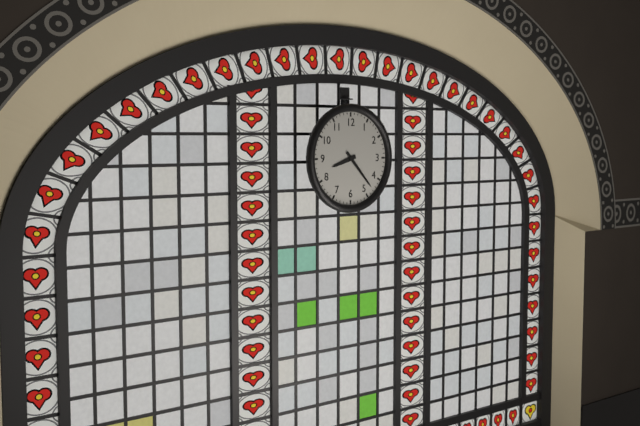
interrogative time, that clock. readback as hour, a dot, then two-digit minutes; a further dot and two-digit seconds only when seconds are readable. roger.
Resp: 8.23
